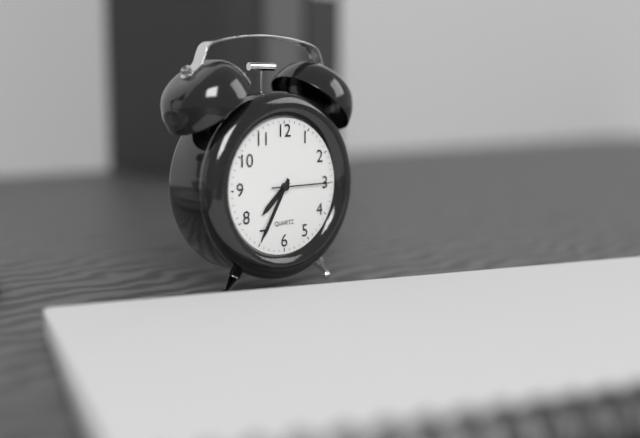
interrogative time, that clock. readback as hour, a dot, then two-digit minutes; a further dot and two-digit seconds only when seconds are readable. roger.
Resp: 7.35.15
